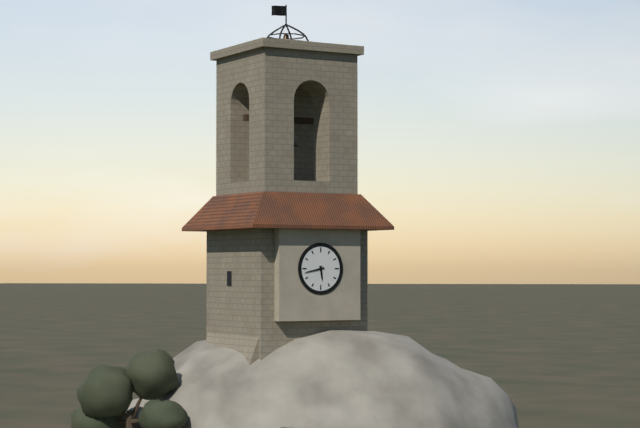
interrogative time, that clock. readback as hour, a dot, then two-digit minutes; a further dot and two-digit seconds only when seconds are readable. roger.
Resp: 5.43
